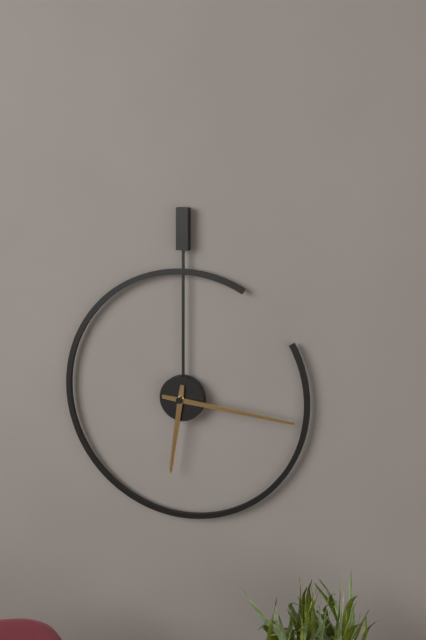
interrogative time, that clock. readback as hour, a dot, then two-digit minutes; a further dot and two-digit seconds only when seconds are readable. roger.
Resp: 6.16
